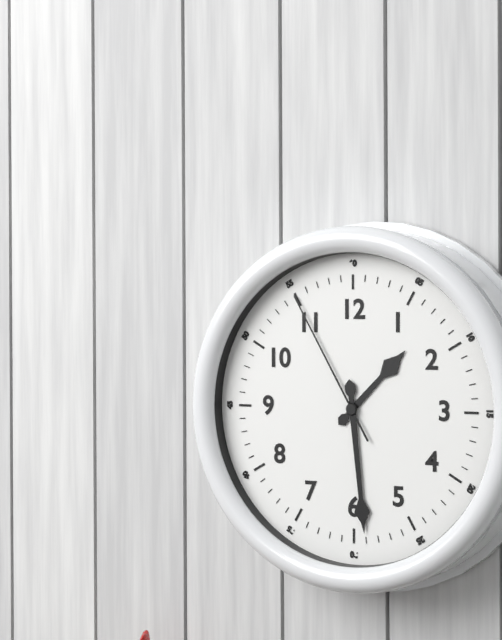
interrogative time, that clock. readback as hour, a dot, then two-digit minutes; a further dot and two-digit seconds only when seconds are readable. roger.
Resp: 1.29.55
